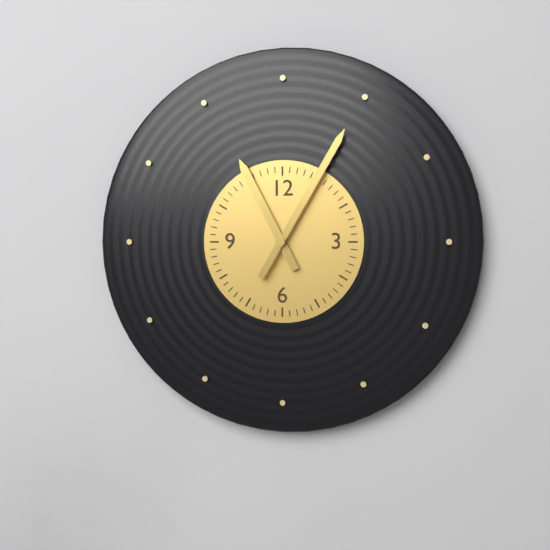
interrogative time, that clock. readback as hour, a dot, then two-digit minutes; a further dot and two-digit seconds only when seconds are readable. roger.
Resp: 11.05
